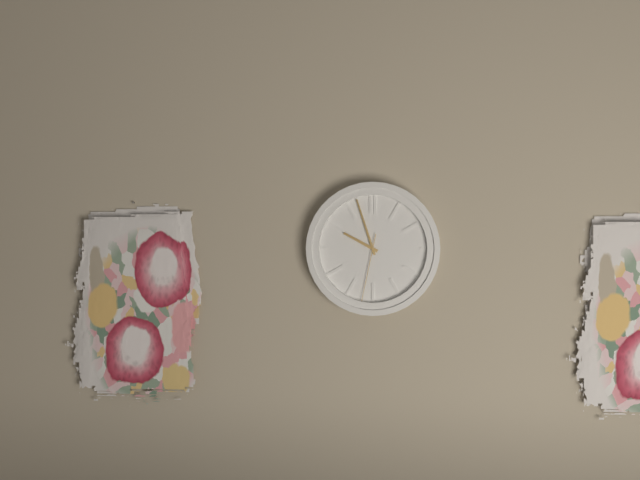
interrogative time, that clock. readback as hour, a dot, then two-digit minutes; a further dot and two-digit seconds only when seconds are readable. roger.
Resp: 9.57.32
